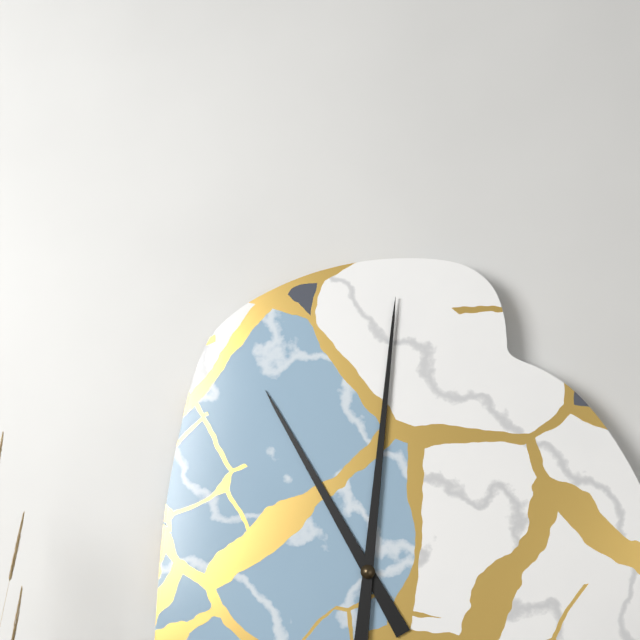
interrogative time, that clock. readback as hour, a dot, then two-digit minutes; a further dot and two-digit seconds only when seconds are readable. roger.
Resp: 11.01
